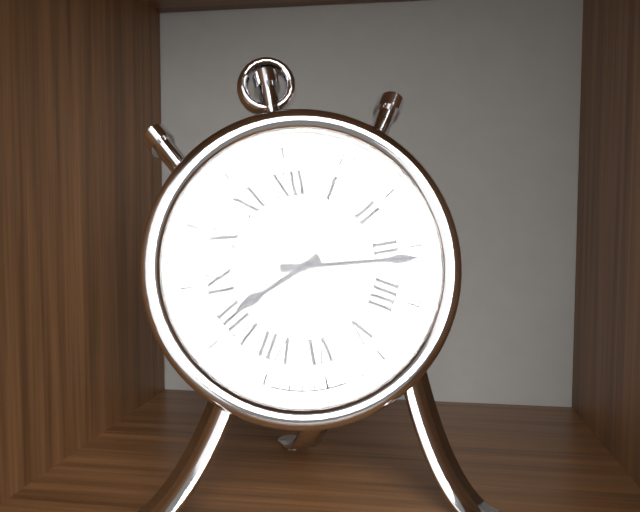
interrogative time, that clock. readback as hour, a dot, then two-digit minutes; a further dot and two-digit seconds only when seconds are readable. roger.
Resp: 8.16
